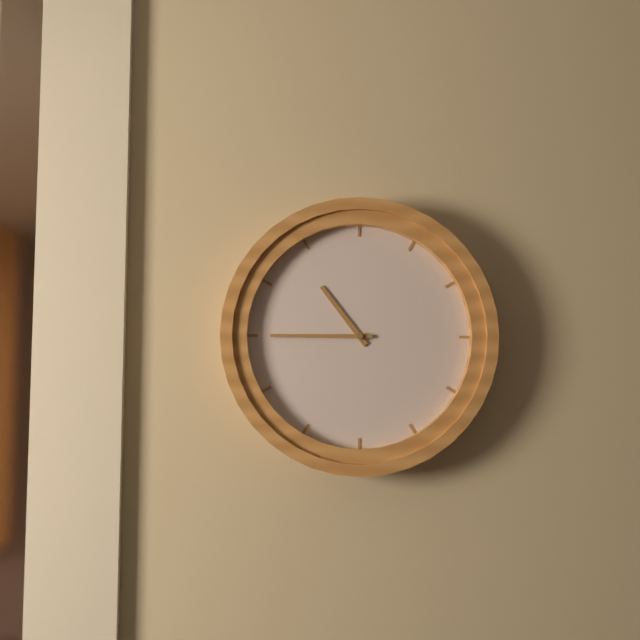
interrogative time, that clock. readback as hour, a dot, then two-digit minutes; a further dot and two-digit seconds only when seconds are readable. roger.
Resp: 10.45
